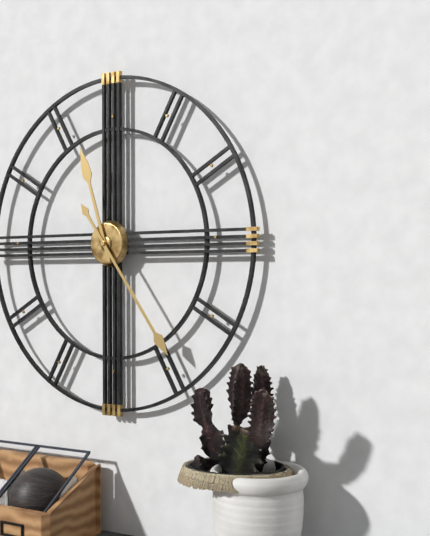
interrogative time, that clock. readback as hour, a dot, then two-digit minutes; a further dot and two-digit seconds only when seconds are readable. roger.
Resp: 11.24
